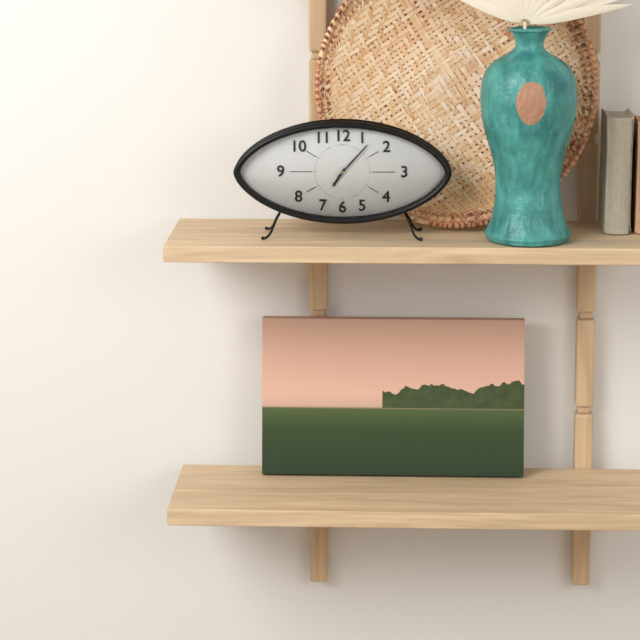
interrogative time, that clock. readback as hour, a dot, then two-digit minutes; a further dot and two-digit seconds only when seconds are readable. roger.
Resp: 7.07
